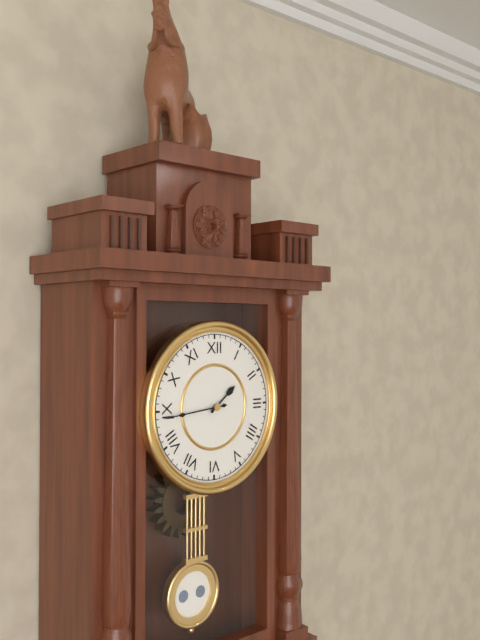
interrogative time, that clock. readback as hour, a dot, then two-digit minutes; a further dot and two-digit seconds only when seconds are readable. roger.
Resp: 1.44
